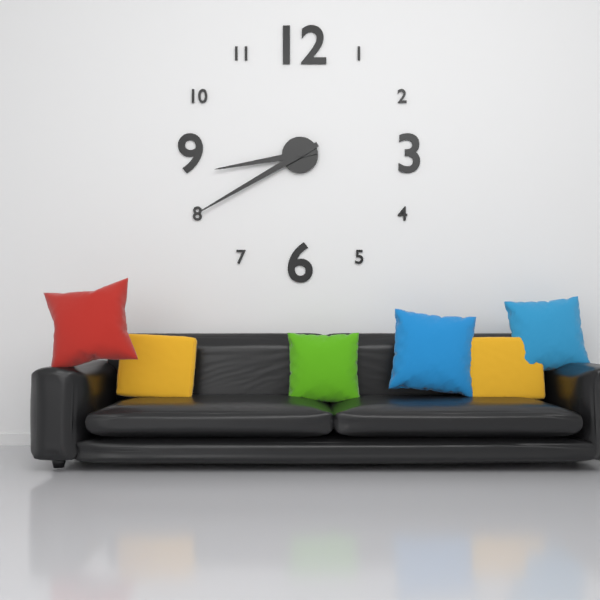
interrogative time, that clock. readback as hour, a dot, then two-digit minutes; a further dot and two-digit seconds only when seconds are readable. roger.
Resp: 8.40
